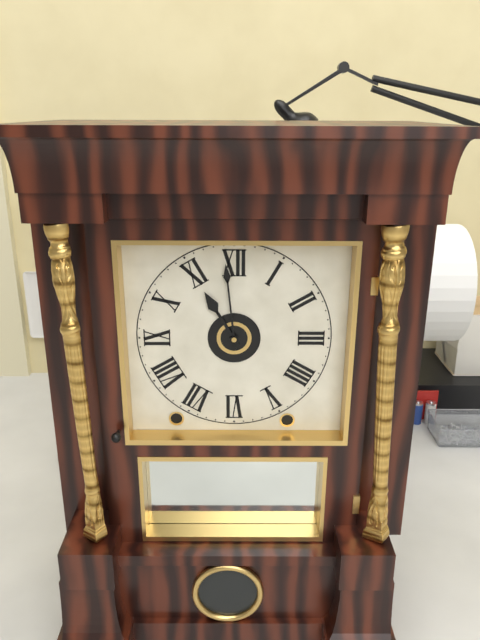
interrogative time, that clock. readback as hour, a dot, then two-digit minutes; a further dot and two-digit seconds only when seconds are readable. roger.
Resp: 10.59
